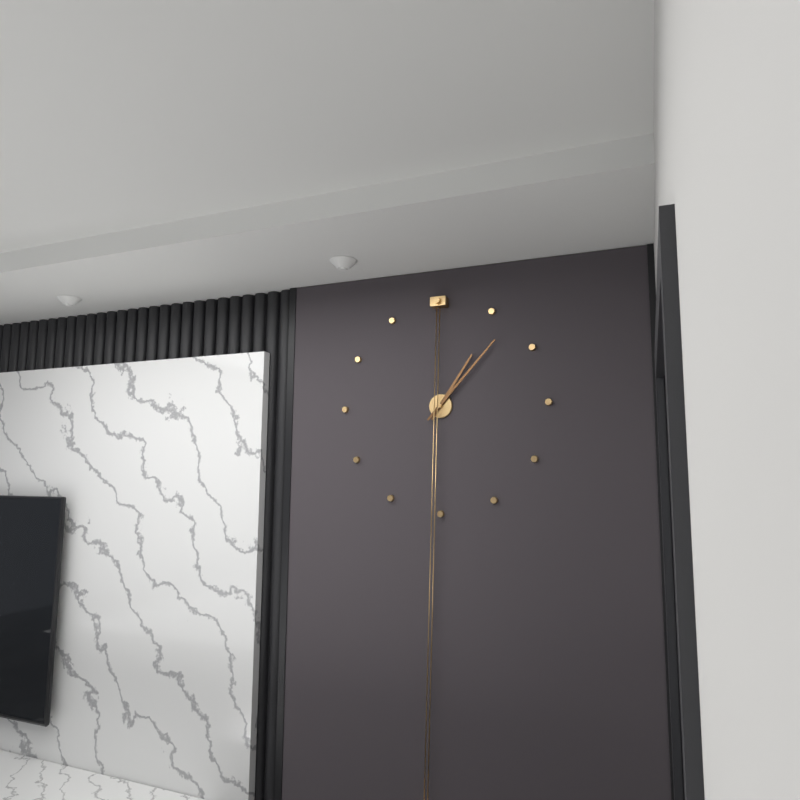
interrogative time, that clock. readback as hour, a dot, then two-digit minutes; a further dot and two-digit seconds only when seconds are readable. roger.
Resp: 1.07
